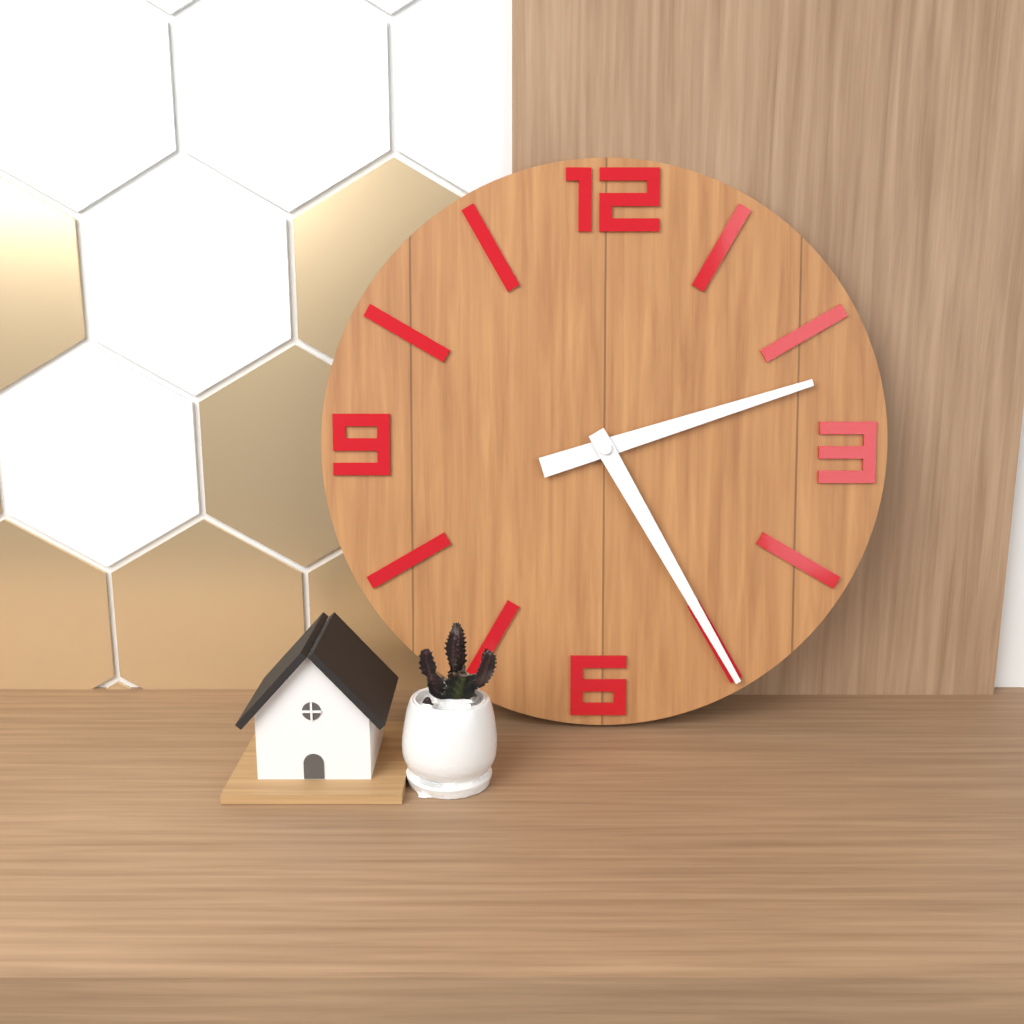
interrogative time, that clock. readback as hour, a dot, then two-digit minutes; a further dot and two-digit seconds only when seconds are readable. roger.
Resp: 2.25
